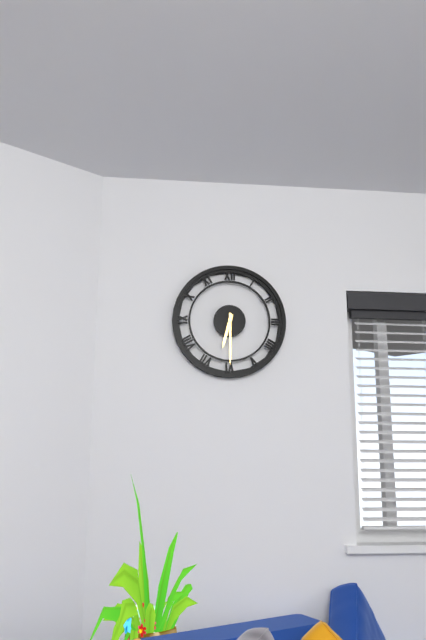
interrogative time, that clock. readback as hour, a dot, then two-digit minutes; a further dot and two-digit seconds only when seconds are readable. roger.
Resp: 6.30
